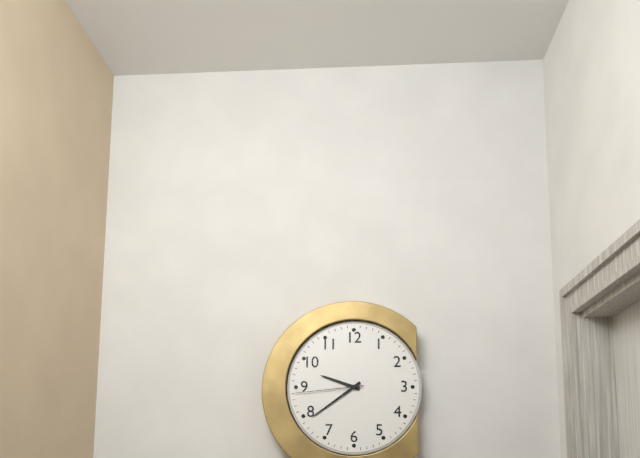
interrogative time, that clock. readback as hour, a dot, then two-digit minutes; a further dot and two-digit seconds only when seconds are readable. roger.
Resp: 9.39.44
